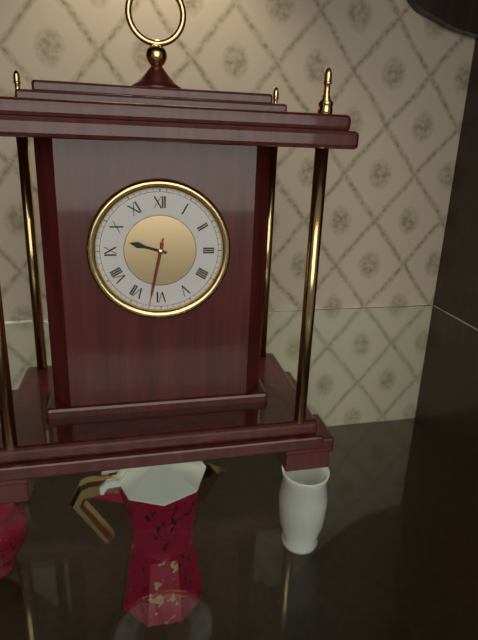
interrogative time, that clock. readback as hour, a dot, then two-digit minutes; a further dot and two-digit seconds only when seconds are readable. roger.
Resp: 9.32.32
